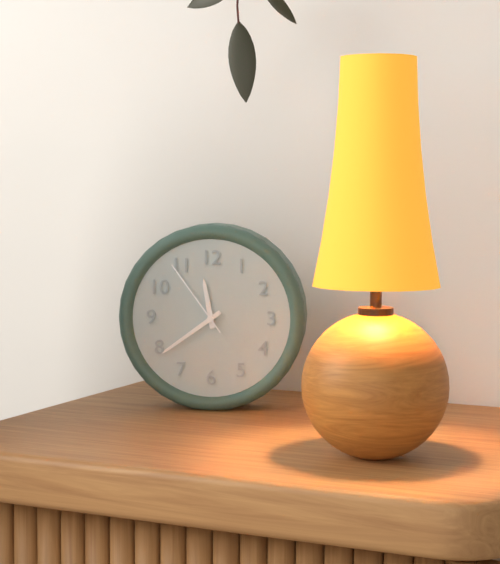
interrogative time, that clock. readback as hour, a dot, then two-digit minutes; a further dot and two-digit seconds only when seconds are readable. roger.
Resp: 11.39.54
